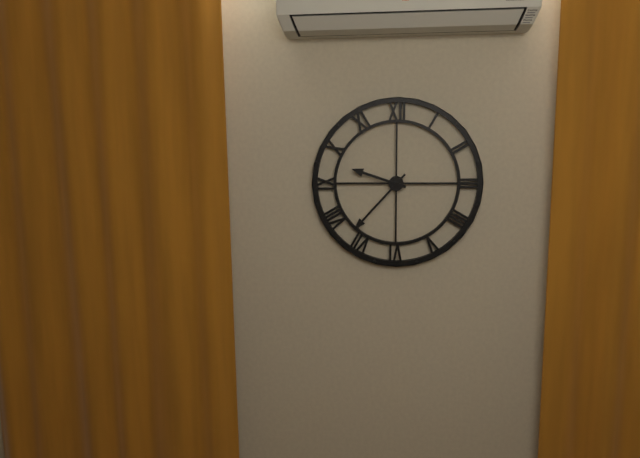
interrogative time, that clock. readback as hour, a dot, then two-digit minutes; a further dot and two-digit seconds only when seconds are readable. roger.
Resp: 9.37
